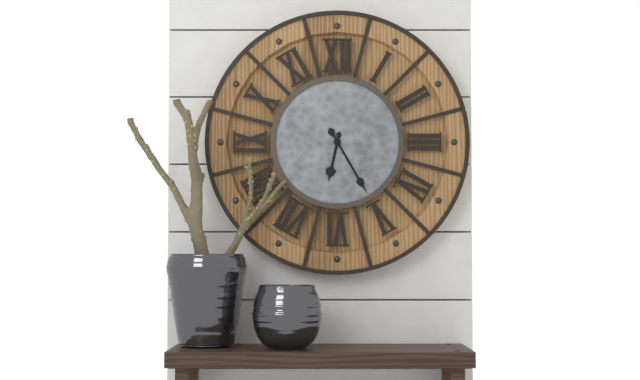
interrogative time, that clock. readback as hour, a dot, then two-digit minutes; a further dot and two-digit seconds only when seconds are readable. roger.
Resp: 6.25
